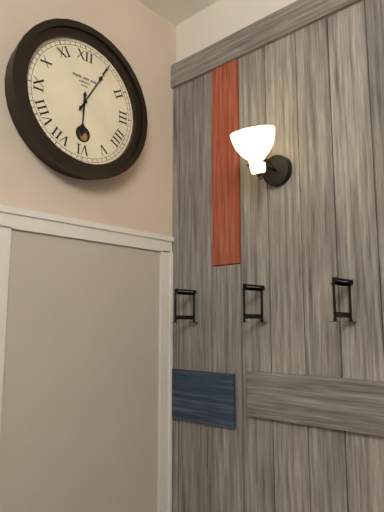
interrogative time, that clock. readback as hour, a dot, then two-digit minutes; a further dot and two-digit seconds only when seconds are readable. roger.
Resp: 6.05
